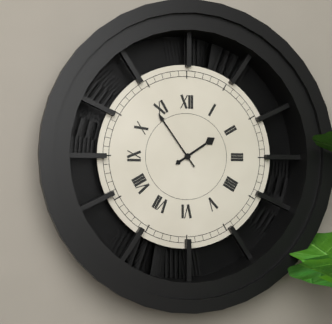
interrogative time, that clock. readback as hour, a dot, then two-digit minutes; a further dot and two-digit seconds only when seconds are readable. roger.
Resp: 1.54
